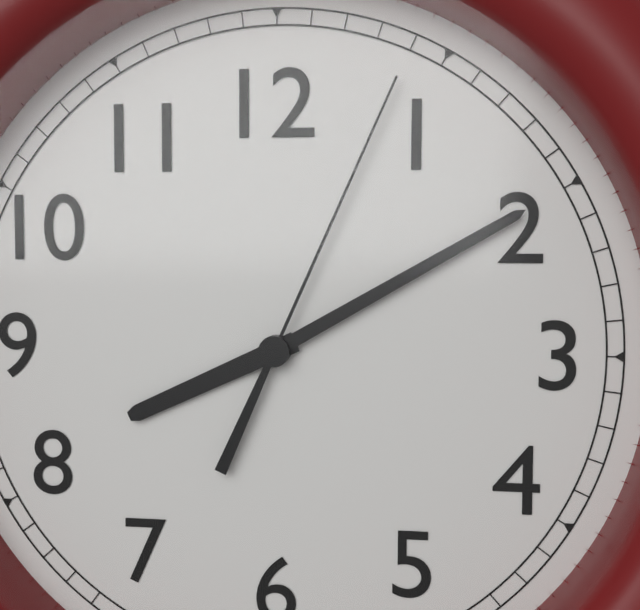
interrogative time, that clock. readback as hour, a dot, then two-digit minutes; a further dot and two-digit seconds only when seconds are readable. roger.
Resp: 8.10.04
